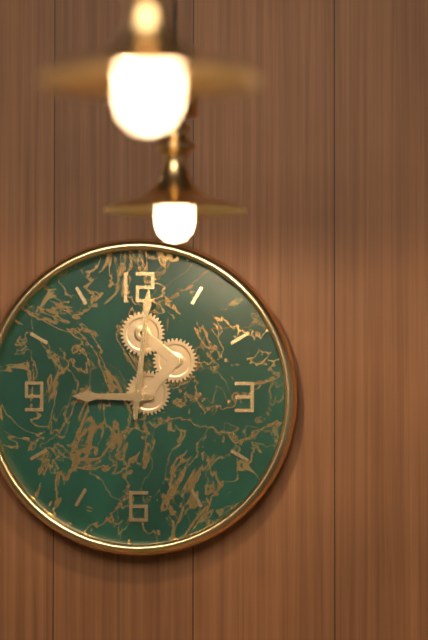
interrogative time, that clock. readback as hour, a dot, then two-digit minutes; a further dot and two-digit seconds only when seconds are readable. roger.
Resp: 9.01
